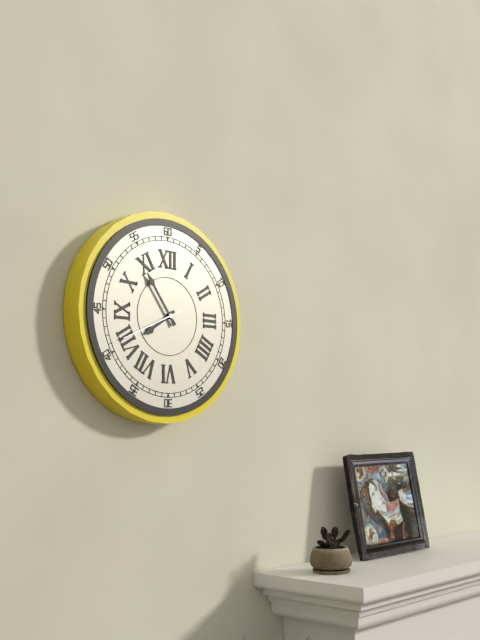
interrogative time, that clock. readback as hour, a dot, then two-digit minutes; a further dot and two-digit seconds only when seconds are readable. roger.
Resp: 7.54
